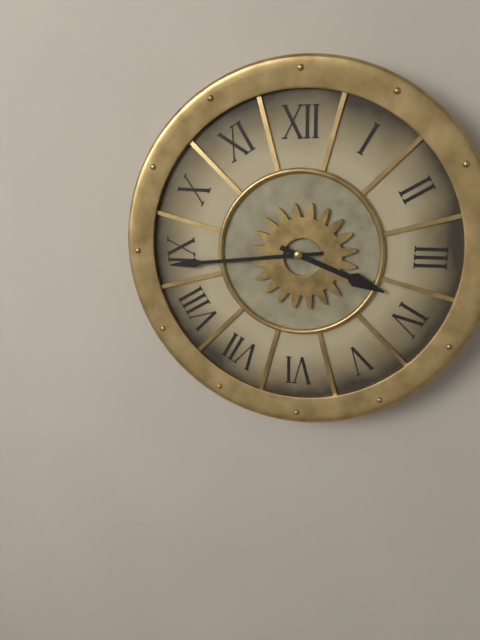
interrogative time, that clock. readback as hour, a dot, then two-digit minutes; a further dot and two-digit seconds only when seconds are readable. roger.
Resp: 3.44
